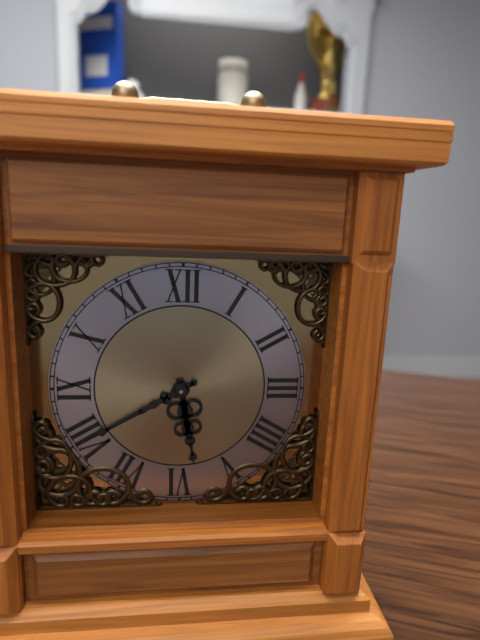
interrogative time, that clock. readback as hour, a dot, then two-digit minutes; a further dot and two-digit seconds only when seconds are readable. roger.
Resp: 5.40
